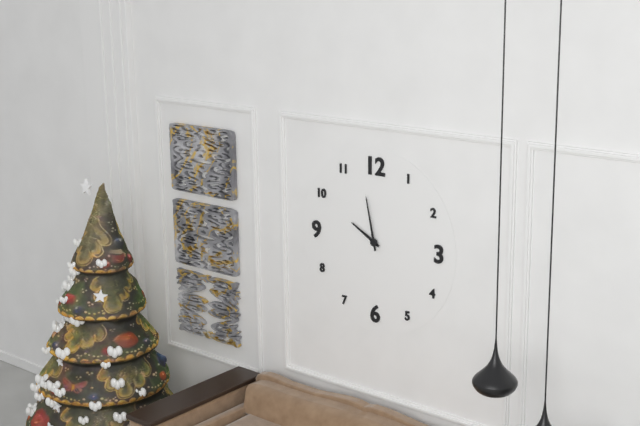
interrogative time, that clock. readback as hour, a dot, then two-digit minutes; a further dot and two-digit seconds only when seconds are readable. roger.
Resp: 9.58
